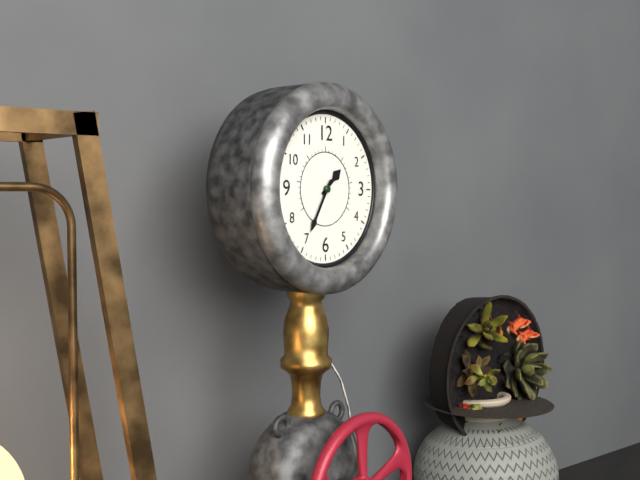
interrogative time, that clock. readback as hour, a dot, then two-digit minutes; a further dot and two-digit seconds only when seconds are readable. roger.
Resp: 1.35
